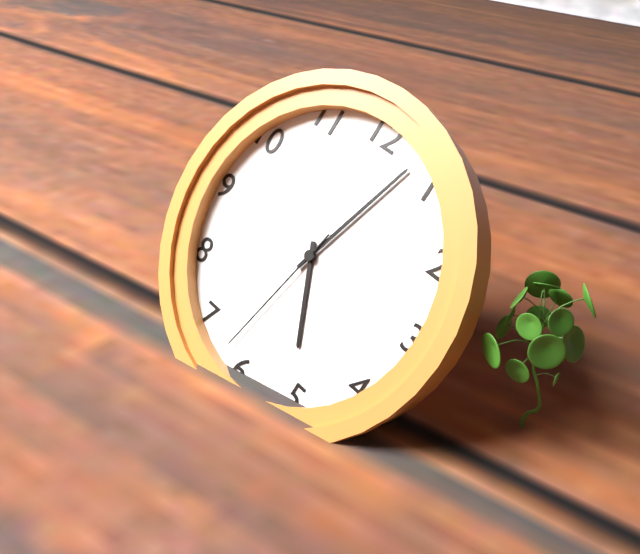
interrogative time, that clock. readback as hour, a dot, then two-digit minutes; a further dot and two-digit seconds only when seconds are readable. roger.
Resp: 5.03.32
